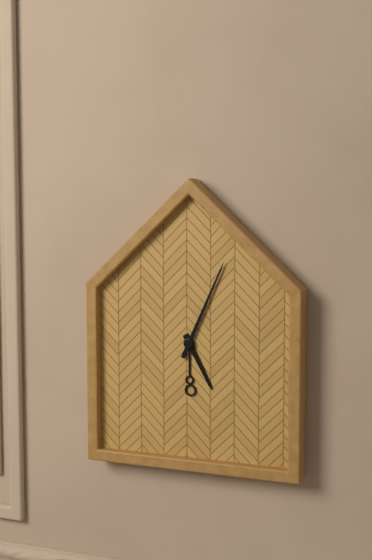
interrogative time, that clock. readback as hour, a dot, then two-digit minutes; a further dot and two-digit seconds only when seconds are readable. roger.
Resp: 5.04
